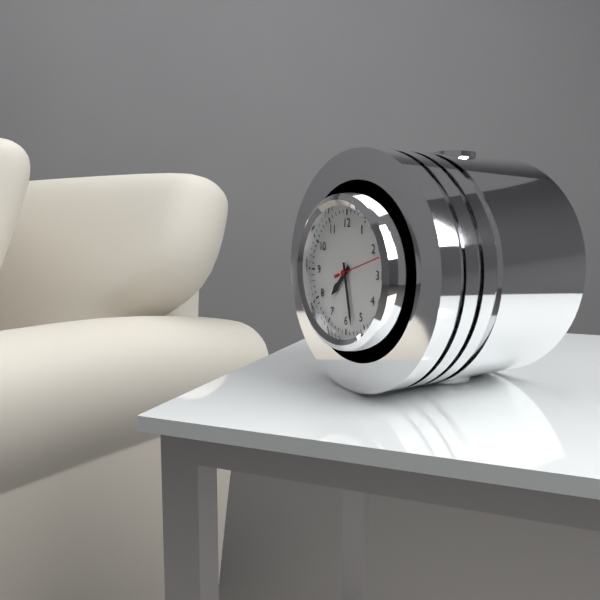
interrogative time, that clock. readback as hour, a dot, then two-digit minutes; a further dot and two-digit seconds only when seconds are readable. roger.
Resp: 7.28
